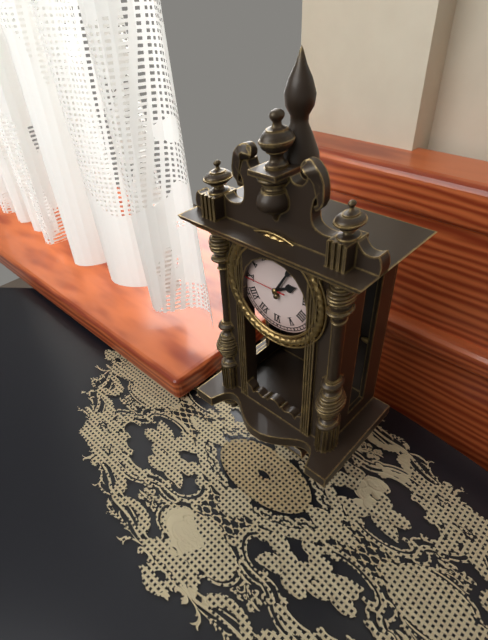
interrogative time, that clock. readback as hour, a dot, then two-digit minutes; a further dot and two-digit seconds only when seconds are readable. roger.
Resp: 2.05
